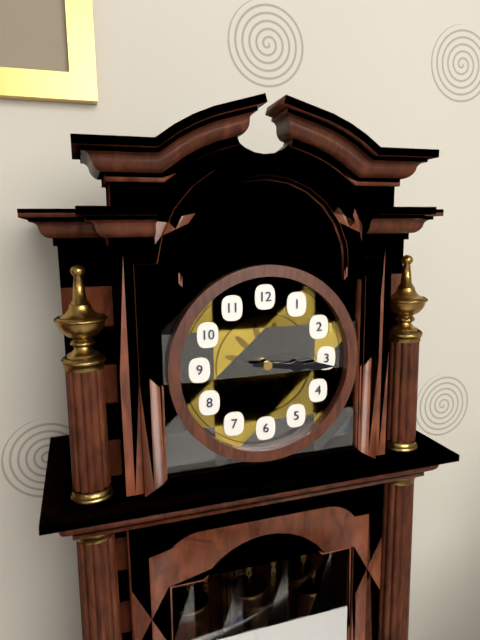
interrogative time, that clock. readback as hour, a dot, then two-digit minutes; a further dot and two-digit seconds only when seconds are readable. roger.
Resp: 3.16
